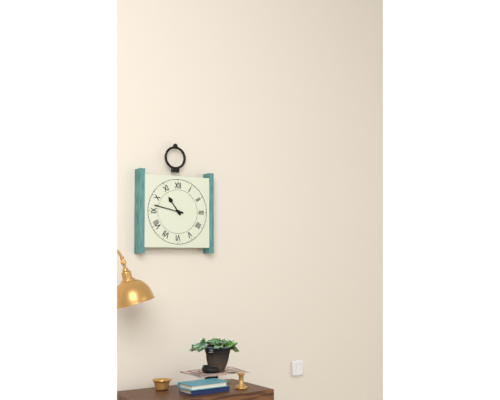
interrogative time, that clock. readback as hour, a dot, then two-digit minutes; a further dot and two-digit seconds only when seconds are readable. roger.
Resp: 10.47
